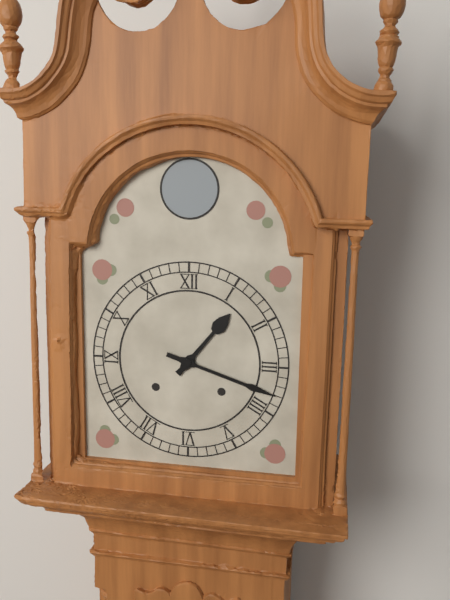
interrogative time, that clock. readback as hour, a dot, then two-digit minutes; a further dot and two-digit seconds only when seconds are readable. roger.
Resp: 1.18
